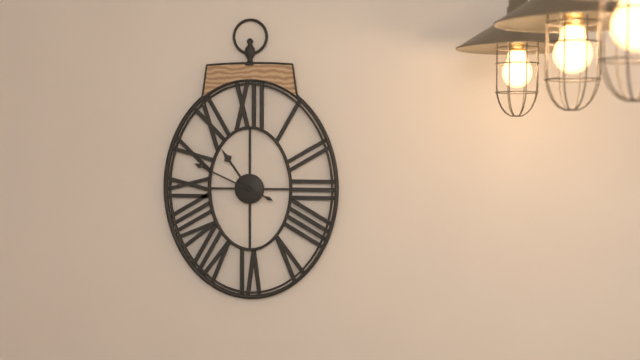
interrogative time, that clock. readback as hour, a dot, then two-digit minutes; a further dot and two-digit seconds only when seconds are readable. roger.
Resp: 10.49
